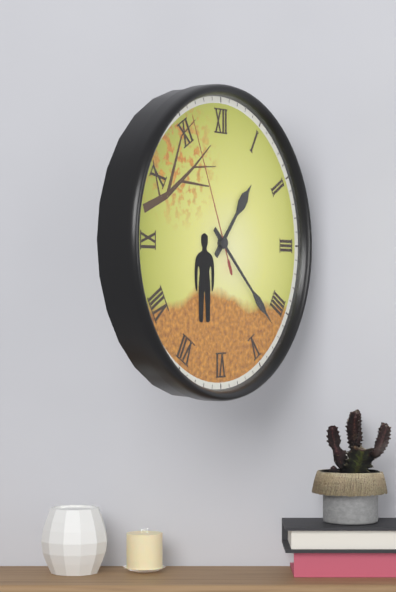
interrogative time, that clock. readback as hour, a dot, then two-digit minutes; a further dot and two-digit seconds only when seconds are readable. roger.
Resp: 1.22.56
